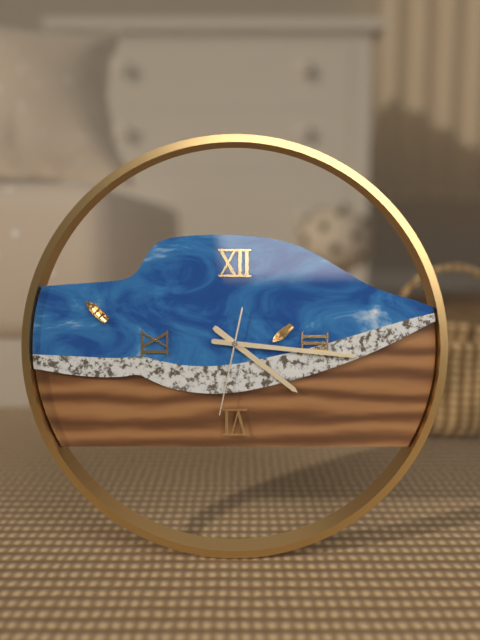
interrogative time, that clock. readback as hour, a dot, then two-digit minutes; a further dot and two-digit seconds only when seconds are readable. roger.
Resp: 4.16.32
